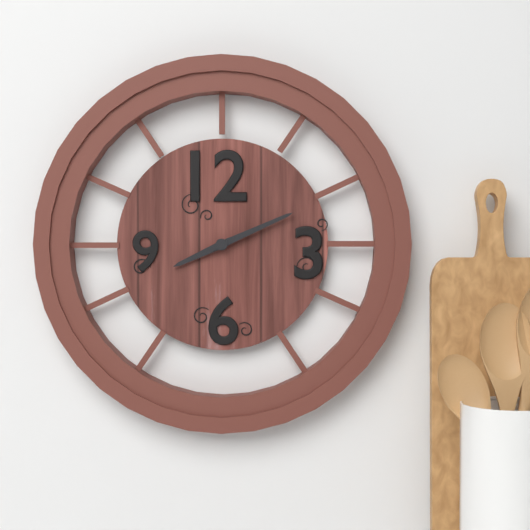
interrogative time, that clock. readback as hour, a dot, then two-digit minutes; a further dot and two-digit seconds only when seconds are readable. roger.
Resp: 8.11
